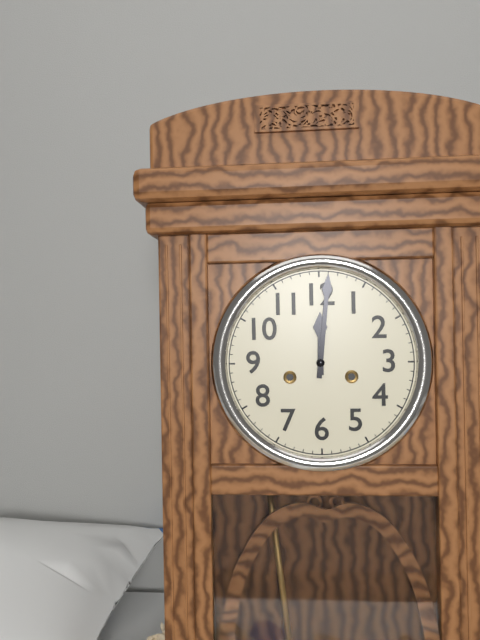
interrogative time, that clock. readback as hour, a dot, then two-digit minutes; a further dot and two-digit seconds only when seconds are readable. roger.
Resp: 12.01
